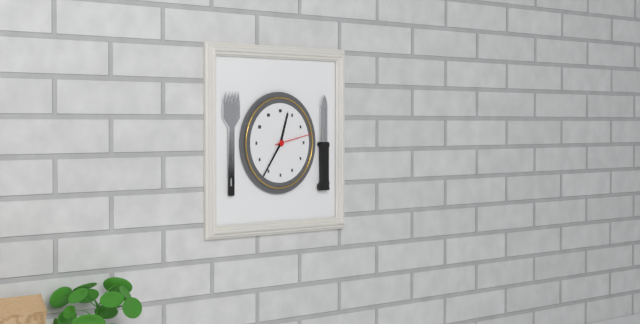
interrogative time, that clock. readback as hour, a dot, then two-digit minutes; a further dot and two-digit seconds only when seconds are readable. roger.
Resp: 12.36
